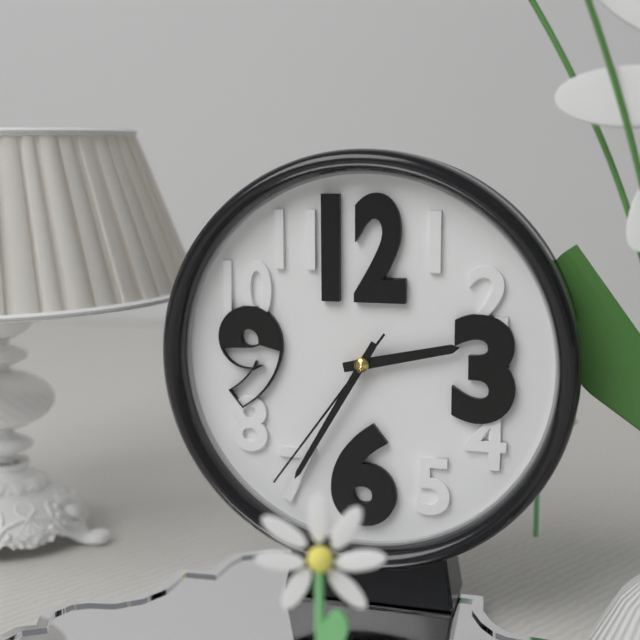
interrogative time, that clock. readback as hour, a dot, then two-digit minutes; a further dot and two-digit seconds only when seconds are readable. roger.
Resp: 2.35.36
